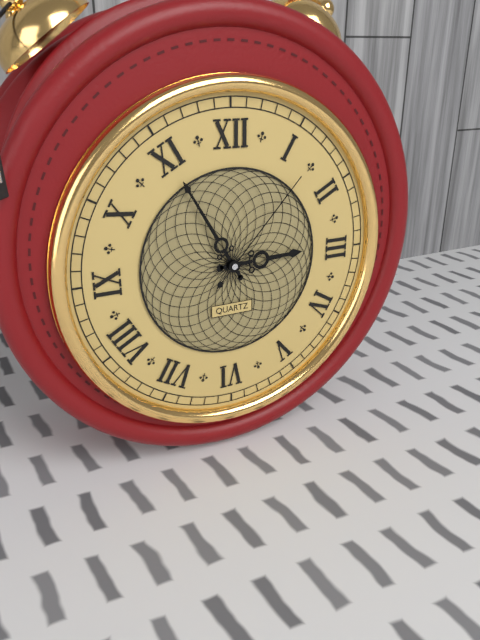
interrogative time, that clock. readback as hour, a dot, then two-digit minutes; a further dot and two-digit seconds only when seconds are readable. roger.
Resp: 2.55.07
